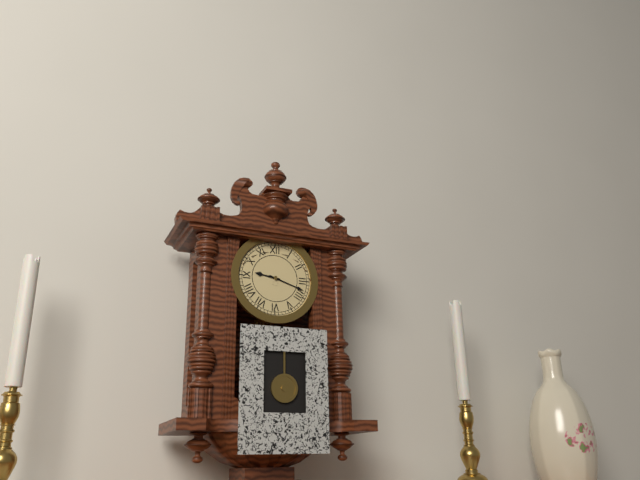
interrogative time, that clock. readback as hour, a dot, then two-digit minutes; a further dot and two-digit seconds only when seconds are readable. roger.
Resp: 9.18
